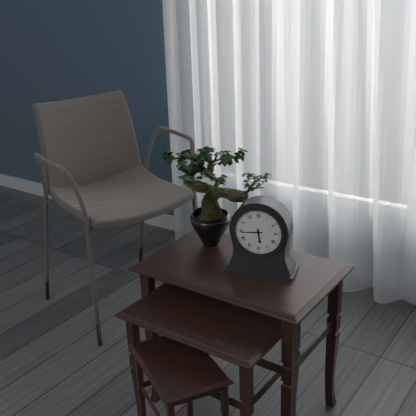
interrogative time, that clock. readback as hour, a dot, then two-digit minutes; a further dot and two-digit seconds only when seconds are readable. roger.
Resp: 5.44
